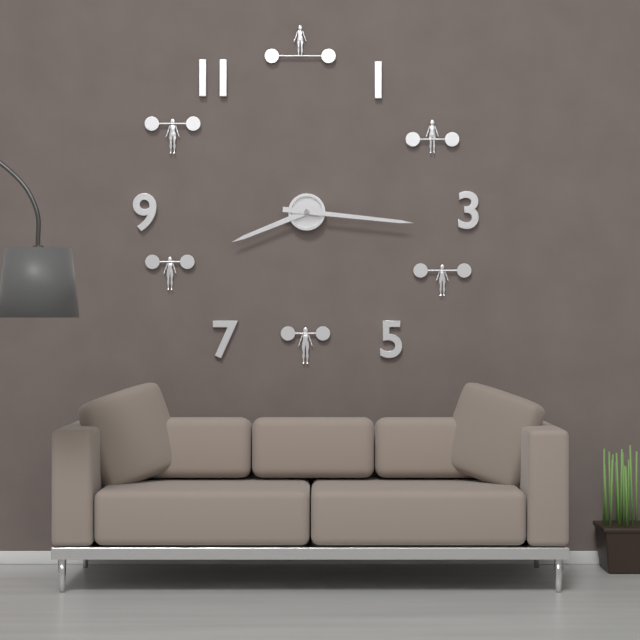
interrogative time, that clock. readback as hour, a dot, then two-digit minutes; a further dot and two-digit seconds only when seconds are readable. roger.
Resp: 8.16
